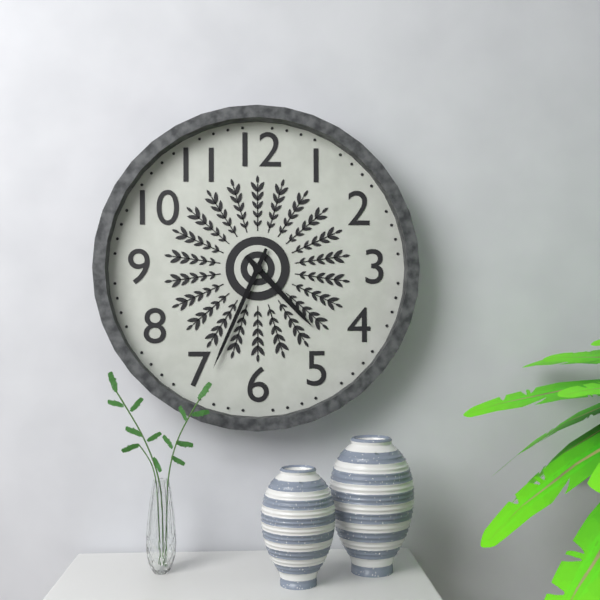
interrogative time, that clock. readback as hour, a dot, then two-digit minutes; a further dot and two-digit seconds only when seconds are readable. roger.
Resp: 4.34
